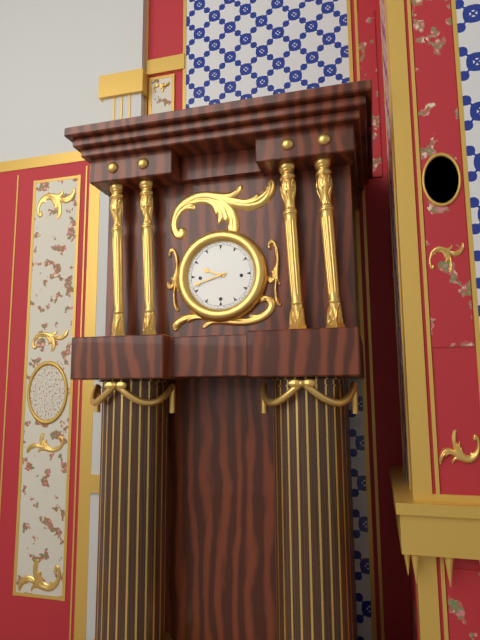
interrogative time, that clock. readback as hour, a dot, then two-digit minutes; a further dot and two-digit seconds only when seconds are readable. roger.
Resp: 9.42
